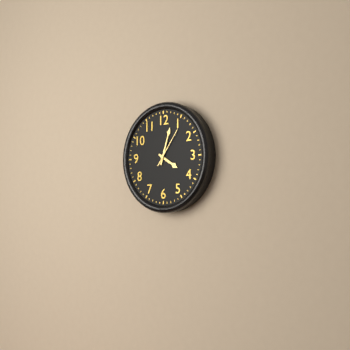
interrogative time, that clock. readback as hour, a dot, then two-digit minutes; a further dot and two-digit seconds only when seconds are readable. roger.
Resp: 4.03
